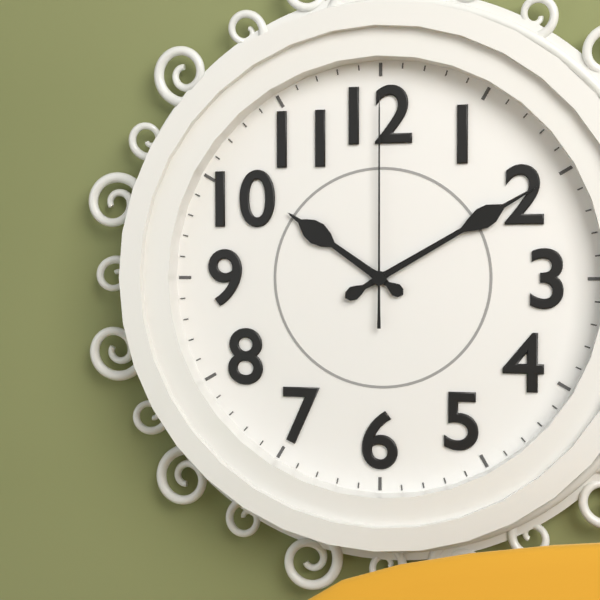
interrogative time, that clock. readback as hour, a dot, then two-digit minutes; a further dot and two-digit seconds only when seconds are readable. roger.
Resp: 10.10.00
